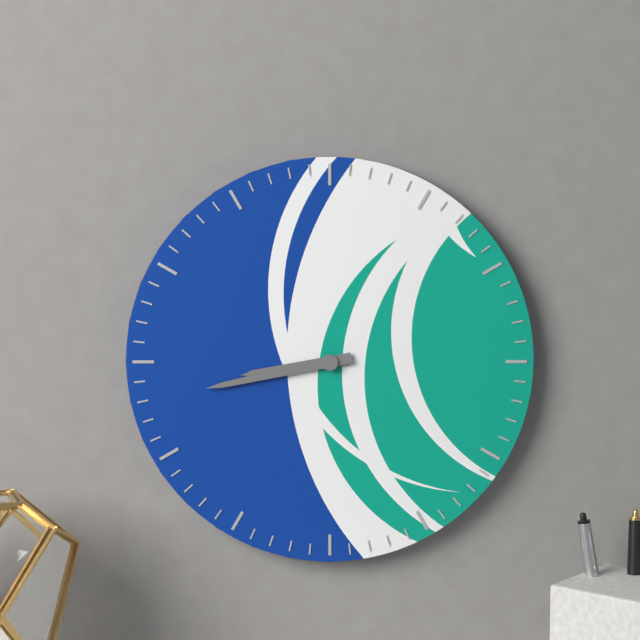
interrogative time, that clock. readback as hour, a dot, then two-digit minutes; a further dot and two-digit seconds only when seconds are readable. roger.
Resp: 8.43
